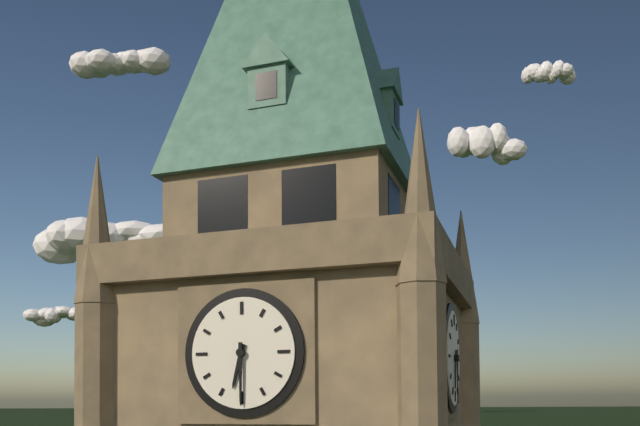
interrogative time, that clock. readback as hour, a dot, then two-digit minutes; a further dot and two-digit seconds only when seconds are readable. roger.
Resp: 6.30
